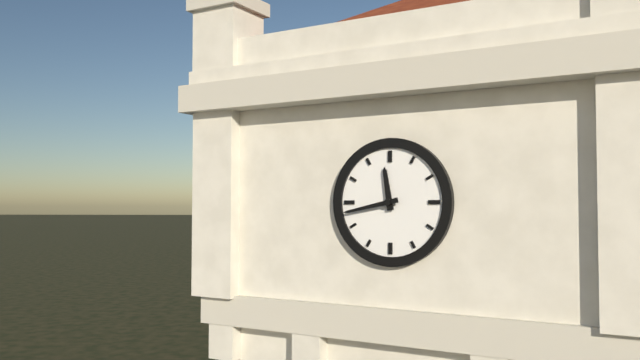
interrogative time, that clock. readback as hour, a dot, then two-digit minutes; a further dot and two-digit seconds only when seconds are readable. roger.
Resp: 11.43
